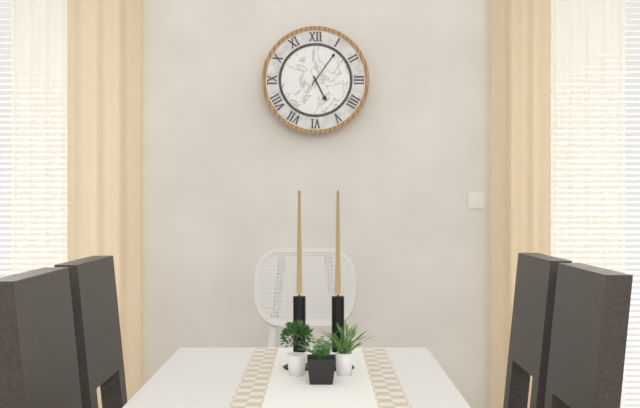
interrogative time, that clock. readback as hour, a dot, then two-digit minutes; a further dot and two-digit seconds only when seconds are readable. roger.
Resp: 5.06
